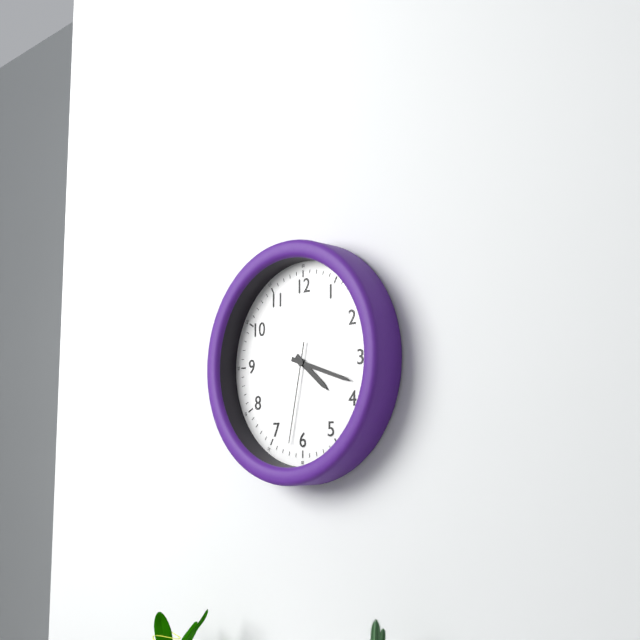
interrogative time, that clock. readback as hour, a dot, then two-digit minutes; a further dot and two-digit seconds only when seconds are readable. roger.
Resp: 4.18.32
